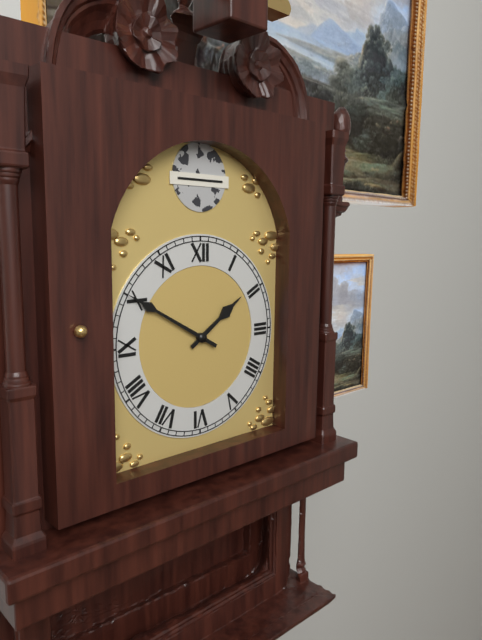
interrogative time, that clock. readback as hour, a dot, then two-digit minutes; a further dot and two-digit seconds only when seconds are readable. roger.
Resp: 1.50
